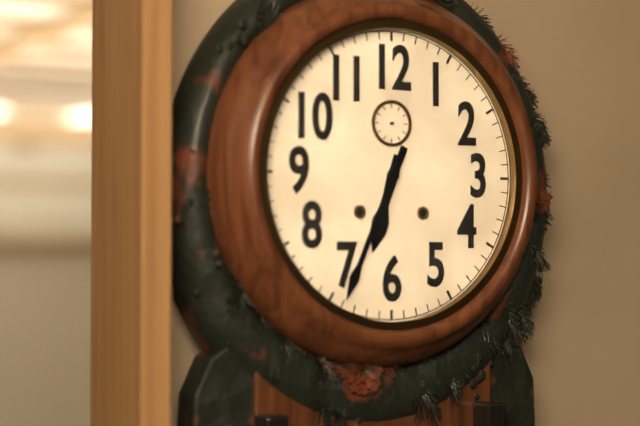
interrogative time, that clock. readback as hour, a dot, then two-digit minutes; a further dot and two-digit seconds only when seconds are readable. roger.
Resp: 6.34
